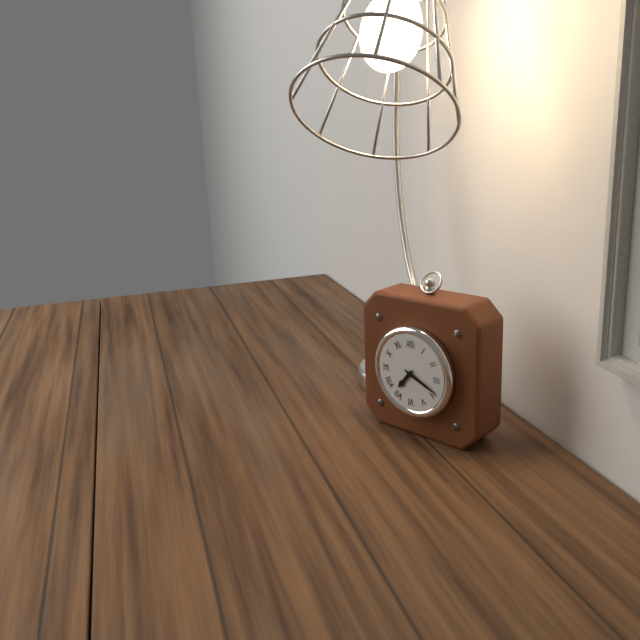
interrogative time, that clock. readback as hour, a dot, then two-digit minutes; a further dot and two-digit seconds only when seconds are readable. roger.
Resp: 7.19
